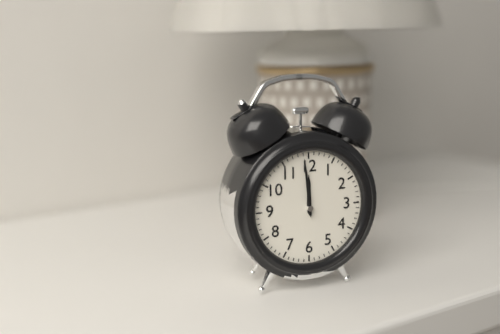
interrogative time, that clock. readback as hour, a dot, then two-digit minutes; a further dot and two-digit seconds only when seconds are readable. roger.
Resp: 11.59
